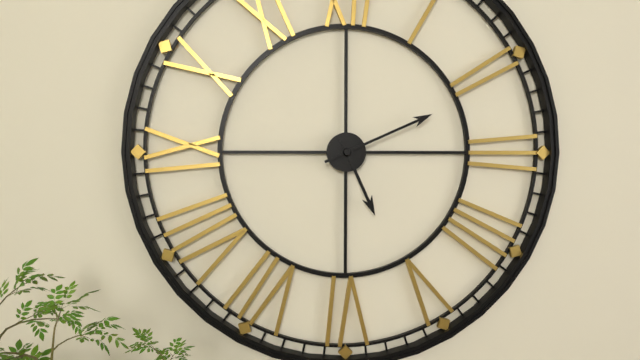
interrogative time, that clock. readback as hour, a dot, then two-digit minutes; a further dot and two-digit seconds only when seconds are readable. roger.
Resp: 5.11
